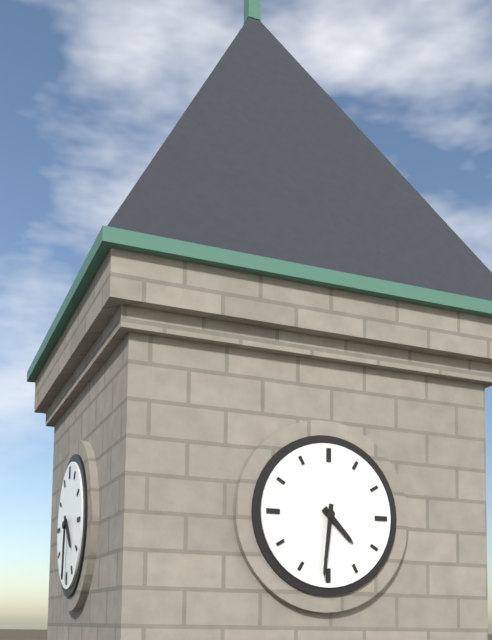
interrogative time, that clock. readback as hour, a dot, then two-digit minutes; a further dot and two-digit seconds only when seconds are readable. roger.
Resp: 4.31
